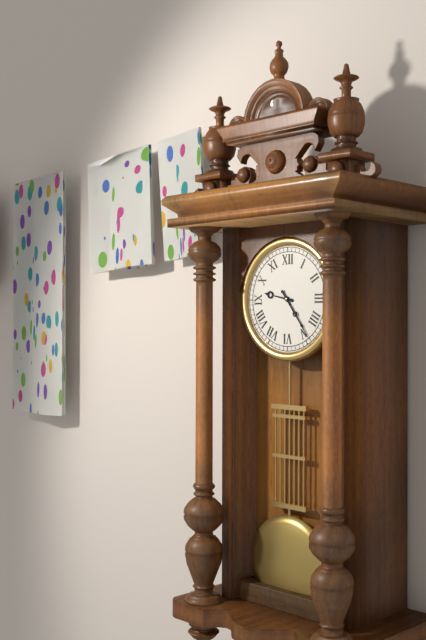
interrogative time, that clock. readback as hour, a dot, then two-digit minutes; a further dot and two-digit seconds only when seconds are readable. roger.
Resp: 9.24
